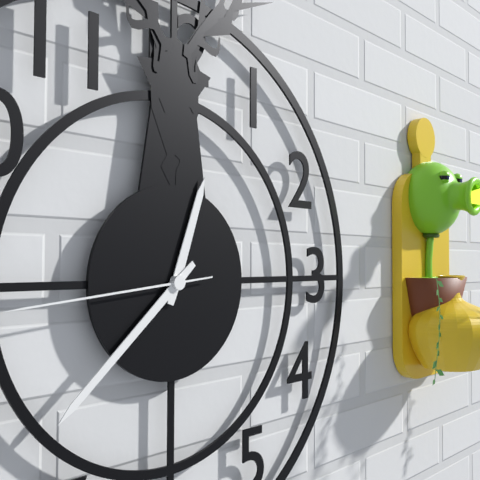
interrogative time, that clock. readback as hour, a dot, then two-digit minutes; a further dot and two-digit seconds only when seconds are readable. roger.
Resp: 12.38.44
